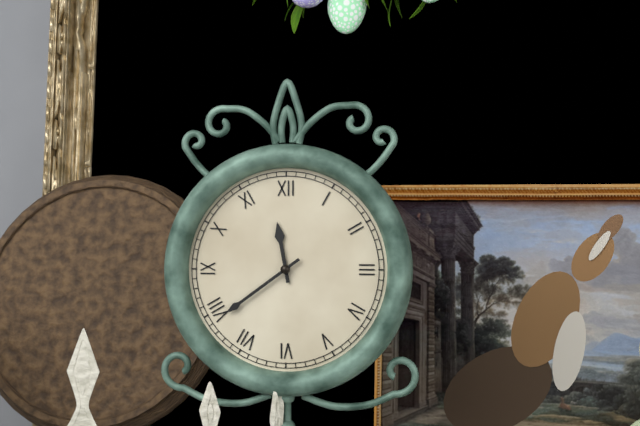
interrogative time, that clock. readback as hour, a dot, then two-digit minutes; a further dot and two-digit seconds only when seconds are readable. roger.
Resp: 11.39
